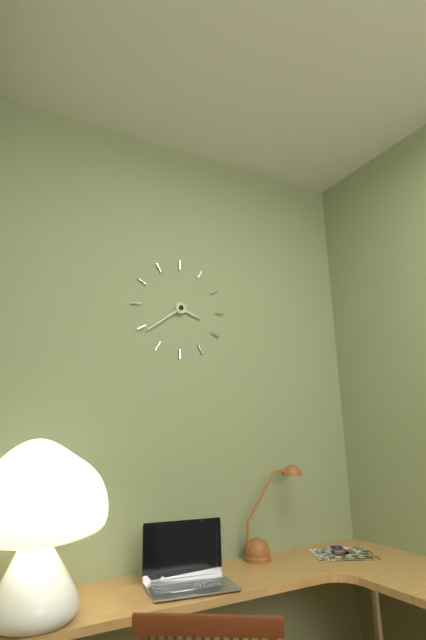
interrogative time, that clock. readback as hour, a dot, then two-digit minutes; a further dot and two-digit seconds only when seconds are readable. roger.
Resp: 3.39
